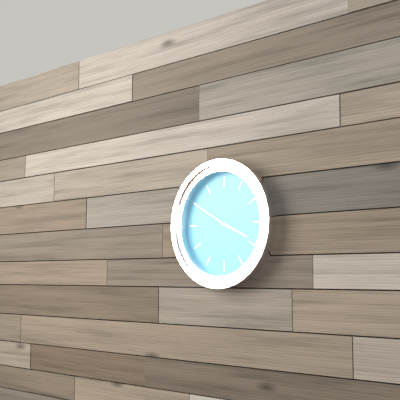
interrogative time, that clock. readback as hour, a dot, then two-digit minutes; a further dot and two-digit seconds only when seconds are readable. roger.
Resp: 3.50
